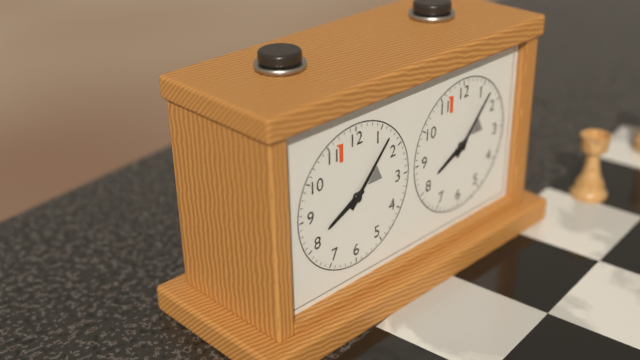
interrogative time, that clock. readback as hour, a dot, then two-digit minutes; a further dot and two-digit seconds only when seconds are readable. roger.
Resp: 8.07
